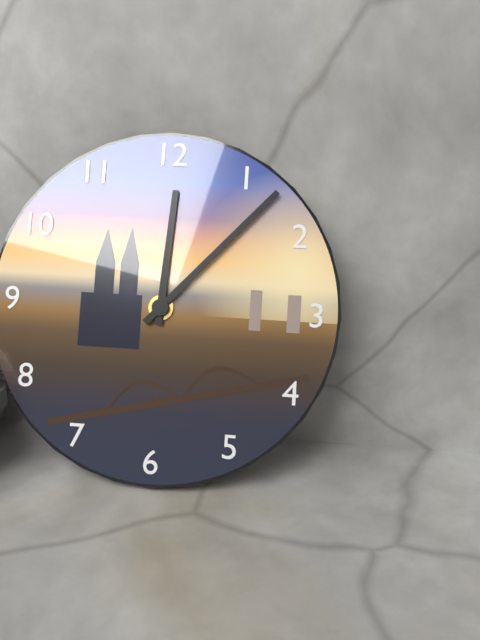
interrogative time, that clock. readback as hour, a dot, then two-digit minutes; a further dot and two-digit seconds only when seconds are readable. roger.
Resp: 12.07
